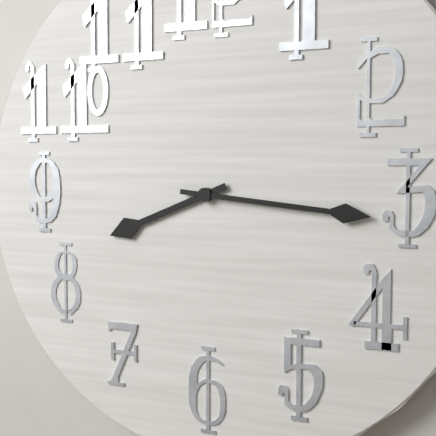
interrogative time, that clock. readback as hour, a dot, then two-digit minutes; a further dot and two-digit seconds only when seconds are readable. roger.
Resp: 8.16
